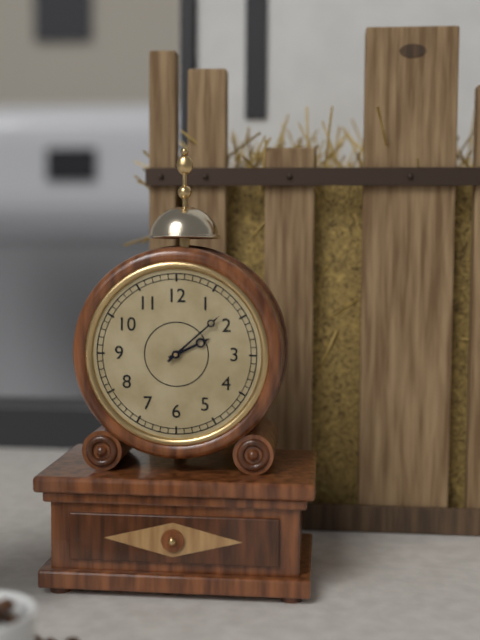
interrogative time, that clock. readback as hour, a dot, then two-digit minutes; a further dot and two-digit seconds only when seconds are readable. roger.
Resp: 2.08
